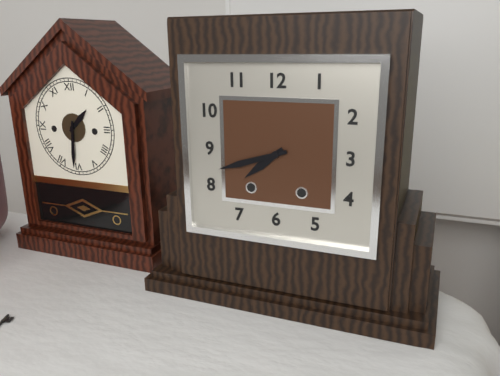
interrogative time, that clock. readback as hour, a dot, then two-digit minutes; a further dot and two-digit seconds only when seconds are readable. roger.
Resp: 7.42
